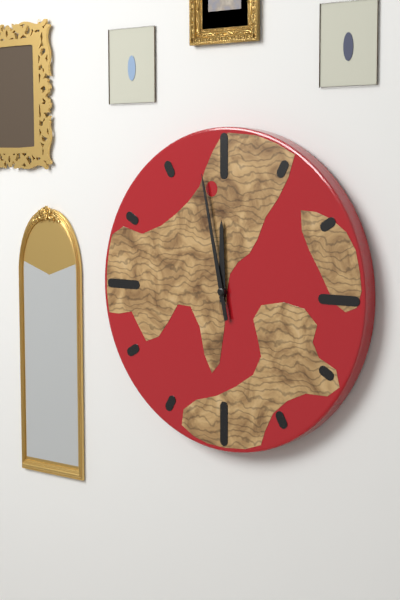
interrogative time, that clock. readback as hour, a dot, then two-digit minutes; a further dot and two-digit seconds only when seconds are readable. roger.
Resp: 11.58
